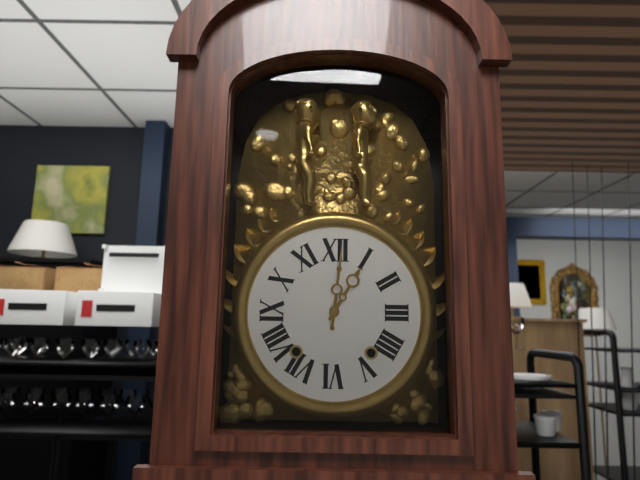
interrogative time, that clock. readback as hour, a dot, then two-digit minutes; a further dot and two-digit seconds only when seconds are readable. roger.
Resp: 1.01
